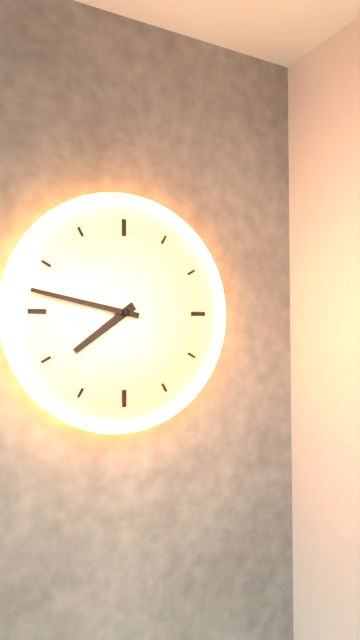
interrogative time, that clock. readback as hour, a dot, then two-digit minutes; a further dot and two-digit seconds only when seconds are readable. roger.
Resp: 7.47
